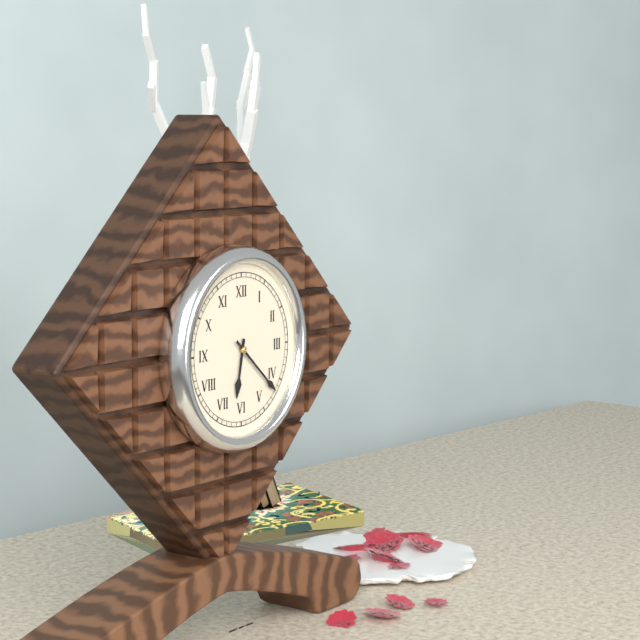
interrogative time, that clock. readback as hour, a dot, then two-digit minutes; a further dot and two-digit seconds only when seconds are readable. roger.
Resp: 6.22
